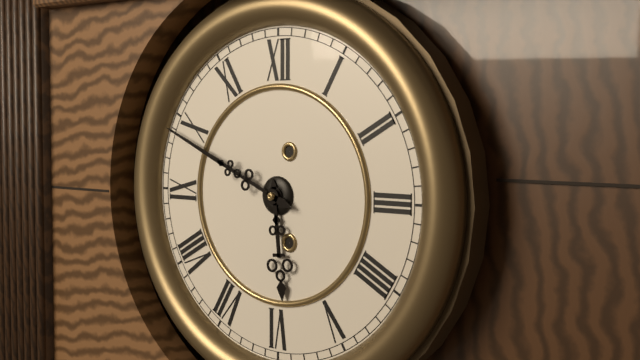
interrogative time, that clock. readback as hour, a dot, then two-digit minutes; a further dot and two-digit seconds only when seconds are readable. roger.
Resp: 5.49
